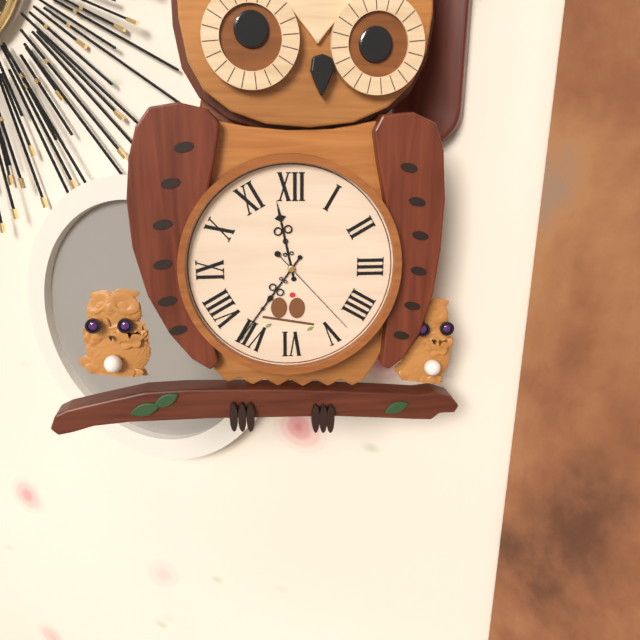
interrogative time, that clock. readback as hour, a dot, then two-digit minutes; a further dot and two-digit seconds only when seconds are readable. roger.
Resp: 11.36.23
